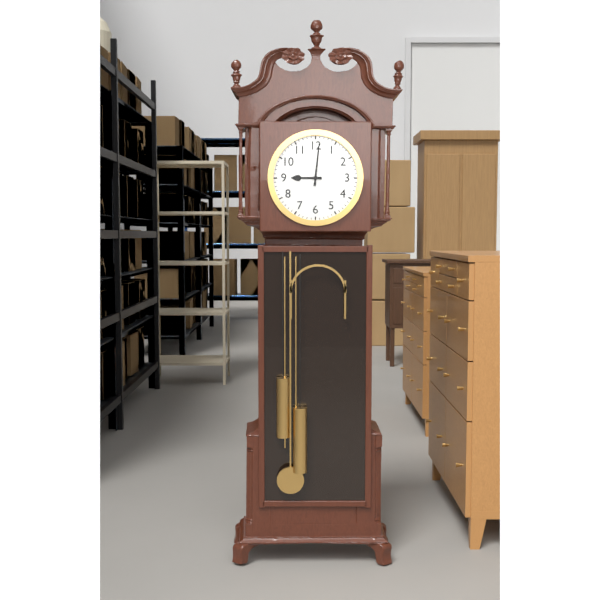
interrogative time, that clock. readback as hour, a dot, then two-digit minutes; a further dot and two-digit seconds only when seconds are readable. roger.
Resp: 9.01
